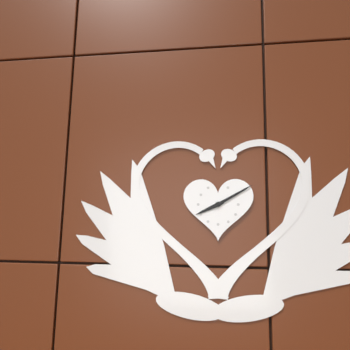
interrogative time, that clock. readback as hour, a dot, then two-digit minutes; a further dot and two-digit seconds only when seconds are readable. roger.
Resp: 8.10
